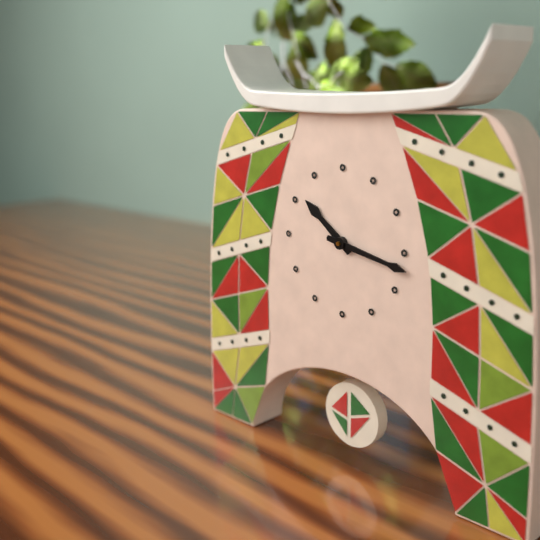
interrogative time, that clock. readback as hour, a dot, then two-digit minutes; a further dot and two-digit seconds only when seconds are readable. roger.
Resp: 10.17
